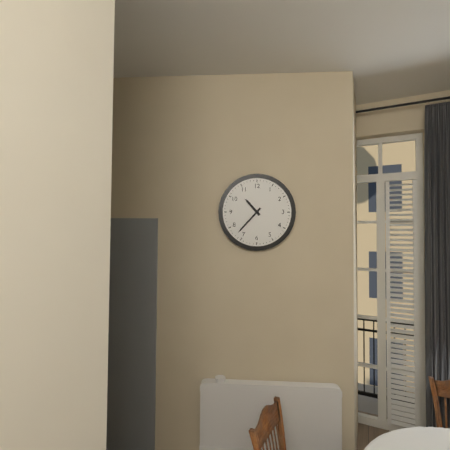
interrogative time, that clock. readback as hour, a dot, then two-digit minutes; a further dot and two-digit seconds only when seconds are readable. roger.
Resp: 10.37
